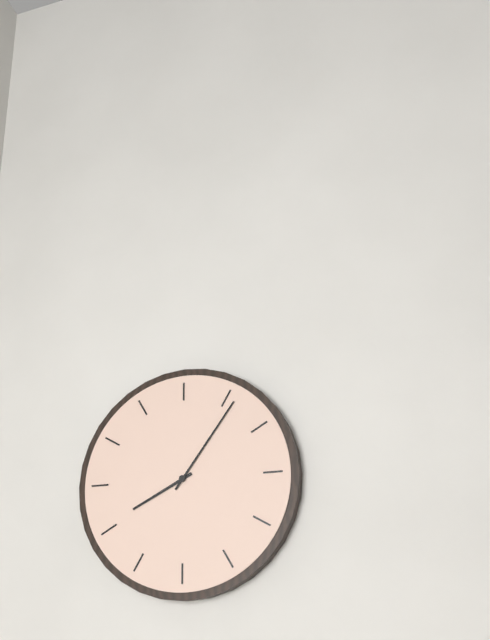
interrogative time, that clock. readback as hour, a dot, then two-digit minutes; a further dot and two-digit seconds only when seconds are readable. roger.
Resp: 8.06
